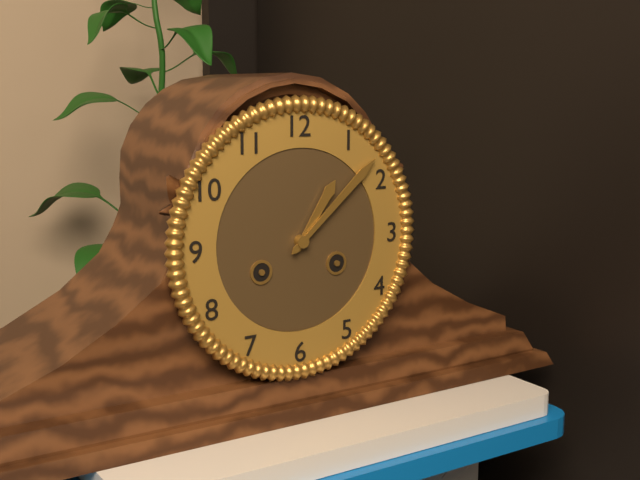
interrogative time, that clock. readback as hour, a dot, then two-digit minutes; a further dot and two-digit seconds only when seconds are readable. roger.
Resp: 1.08
